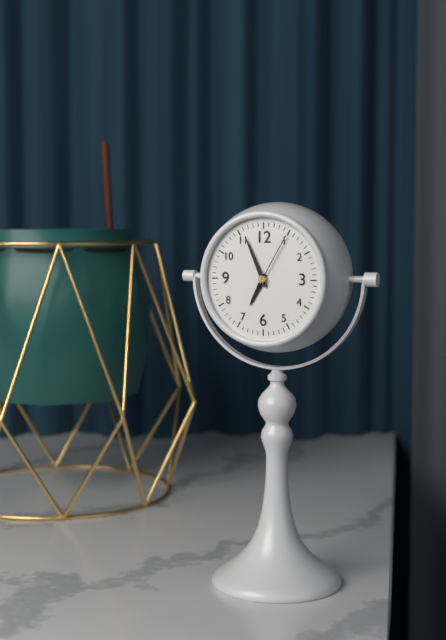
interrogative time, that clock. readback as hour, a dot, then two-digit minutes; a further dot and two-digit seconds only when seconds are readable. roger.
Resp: 6.56.05
